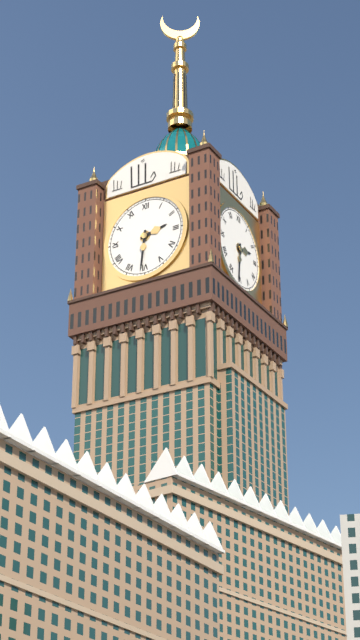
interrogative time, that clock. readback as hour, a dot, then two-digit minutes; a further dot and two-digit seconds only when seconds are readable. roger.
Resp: 2.31
